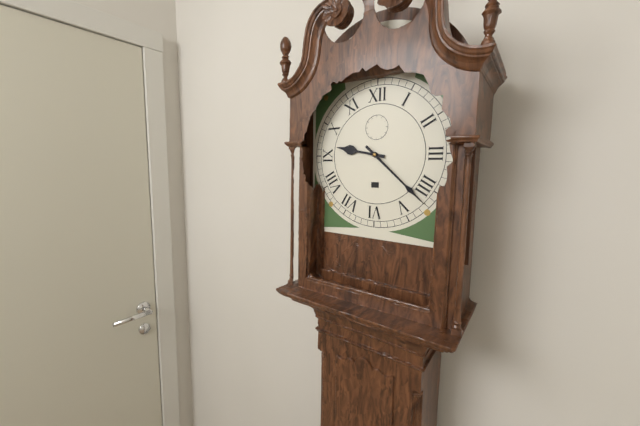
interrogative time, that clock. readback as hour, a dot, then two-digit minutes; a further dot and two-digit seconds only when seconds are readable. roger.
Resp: 9.22
